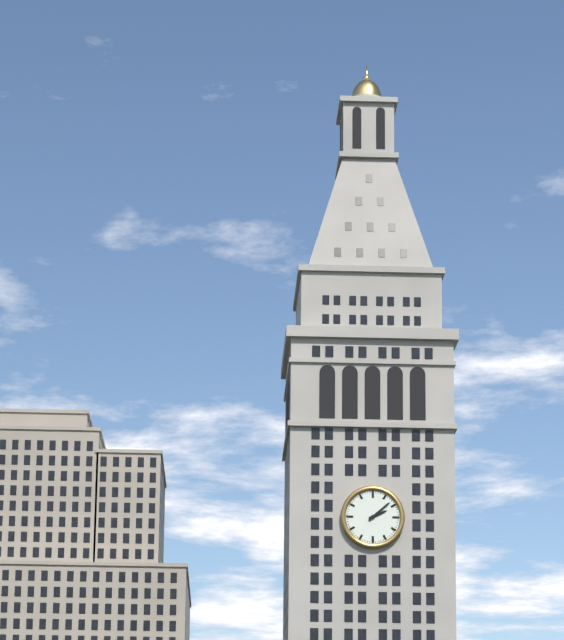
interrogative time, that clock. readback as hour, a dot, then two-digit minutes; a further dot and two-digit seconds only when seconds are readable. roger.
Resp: 2.08
